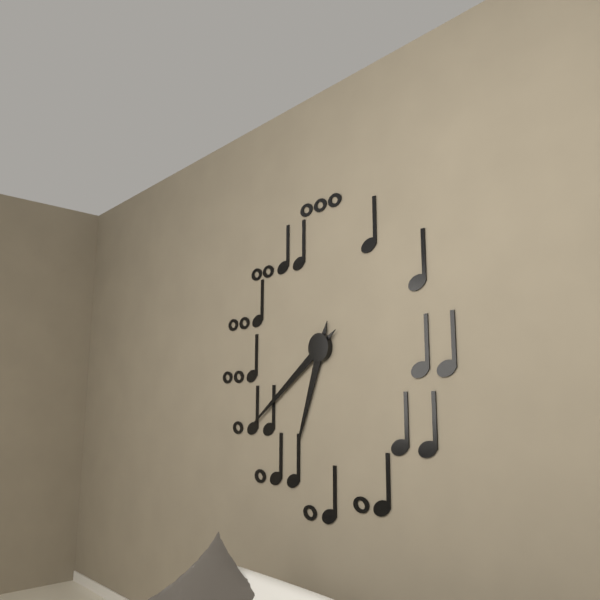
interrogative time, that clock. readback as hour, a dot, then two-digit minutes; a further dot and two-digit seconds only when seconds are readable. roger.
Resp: 6.39
